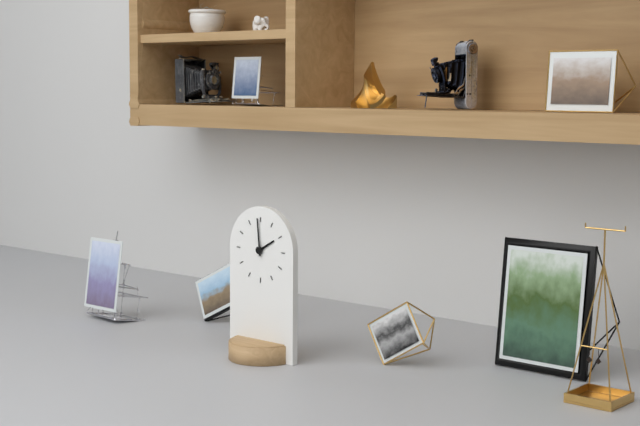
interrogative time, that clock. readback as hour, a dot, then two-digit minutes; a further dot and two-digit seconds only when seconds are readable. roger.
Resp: 1.59
